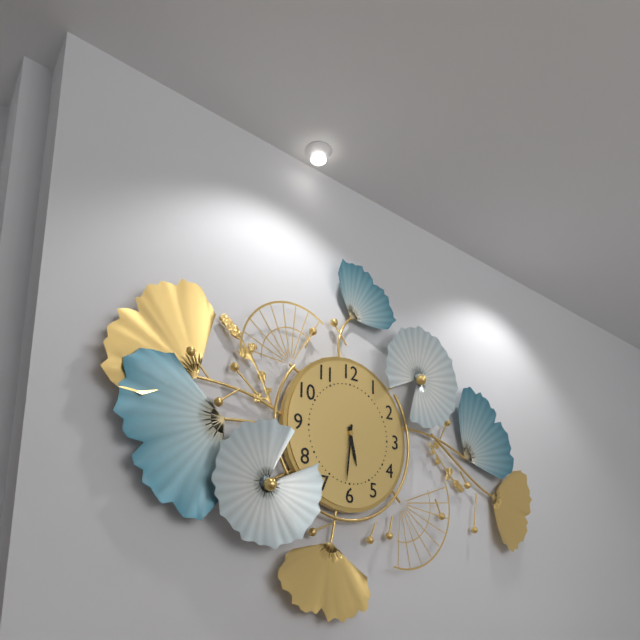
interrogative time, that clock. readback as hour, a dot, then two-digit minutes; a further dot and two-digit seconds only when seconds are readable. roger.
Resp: 5.31
